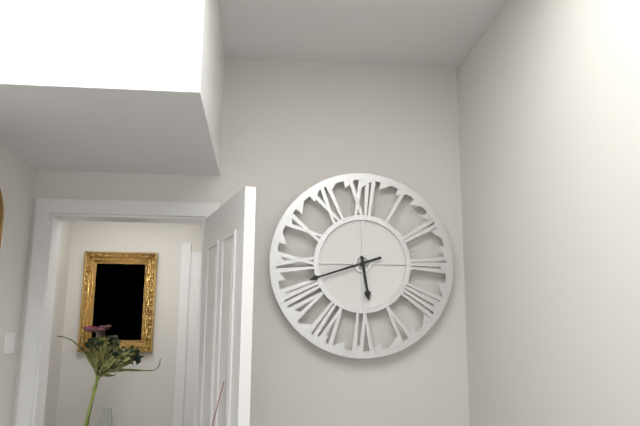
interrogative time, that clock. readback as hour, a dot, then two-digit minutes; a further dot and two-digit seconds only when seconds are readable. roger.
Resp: 5.42
